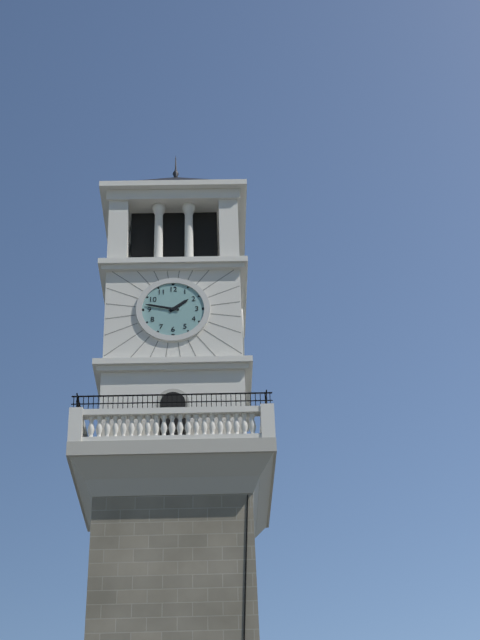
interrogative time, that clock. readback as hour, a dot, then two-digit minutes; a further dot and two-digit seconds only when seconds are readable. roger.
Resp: 1.47
